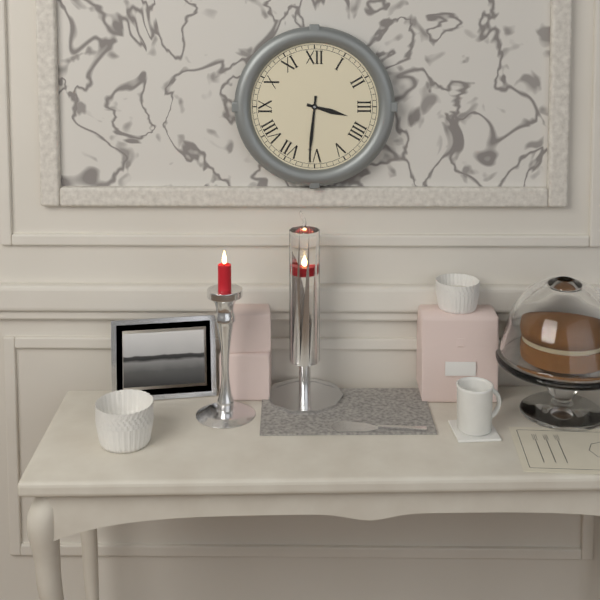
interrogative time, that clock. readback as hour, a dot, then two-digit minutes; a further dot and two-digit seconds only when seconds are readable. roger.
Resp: 3.31
